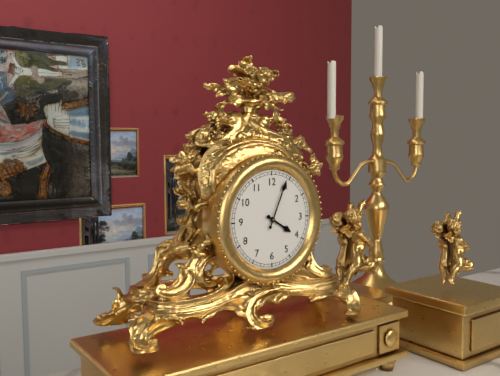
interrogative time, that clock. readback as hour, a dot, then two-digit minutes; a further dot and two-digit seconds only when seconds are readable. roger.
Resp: 4.04
